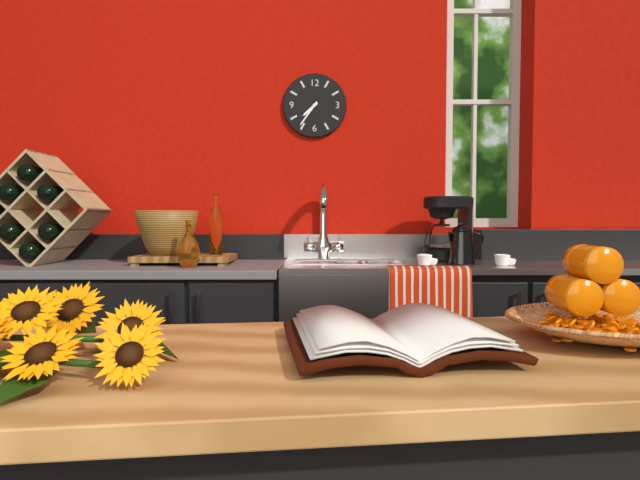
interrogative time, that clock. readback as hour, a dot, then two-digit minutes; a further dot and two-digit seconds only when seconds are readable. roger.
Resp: 7.36
